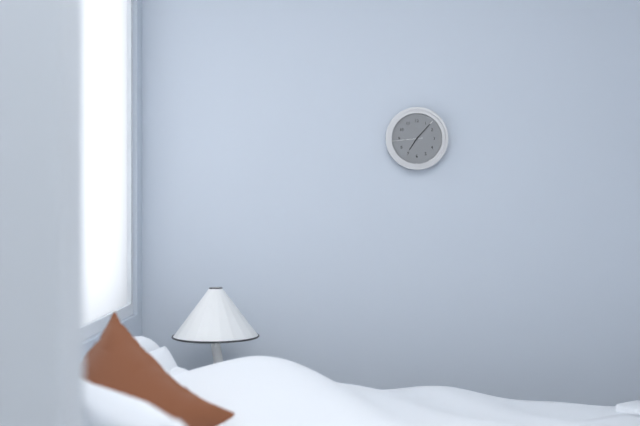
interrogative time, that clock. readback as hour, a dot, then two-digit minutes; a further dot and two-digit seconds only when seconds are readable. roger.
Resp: 7.07
